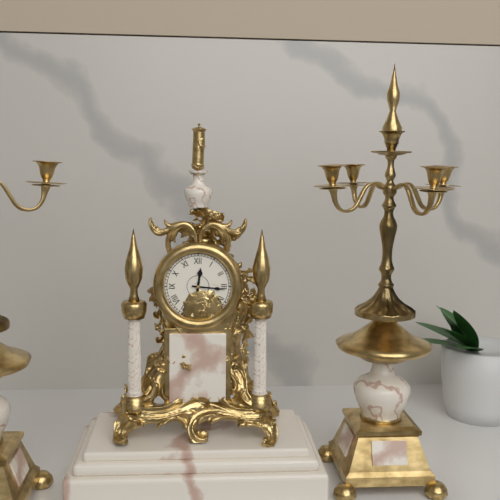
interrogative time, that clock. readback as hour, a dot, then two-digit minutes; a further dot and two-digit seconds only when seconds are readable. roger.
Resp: 12.16
